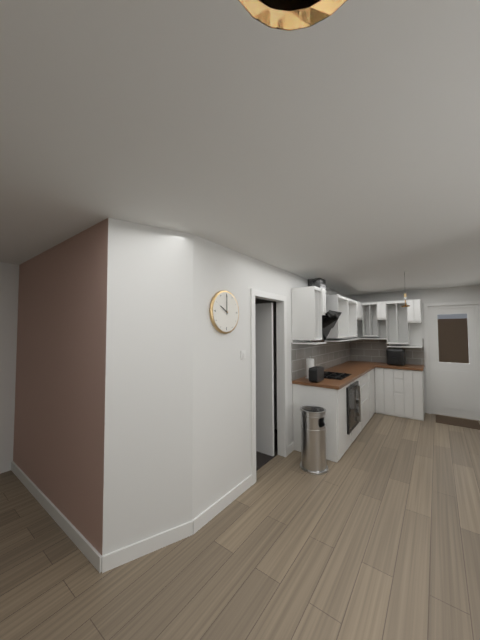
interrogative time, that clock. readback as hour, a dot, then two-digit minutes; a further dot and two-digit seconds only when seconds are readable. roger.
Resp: 10.00
